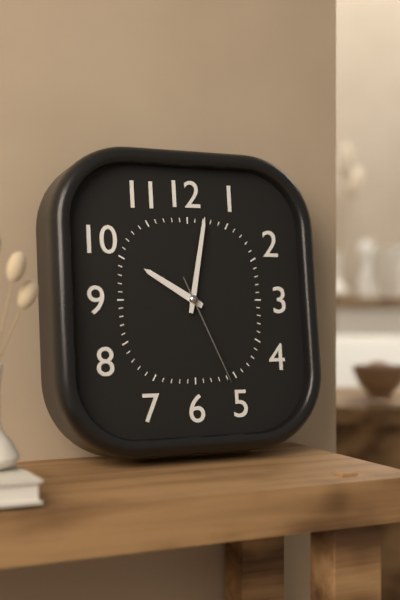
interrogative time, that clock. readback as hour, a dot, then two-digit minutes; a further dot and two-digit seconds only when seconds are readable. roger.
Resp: 10.02.26
